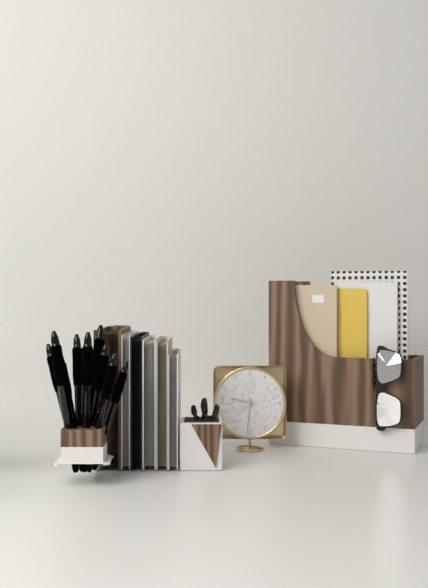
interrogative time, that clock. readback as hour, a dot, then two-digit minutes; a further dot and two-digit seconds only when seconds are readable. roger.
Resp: 9.31
